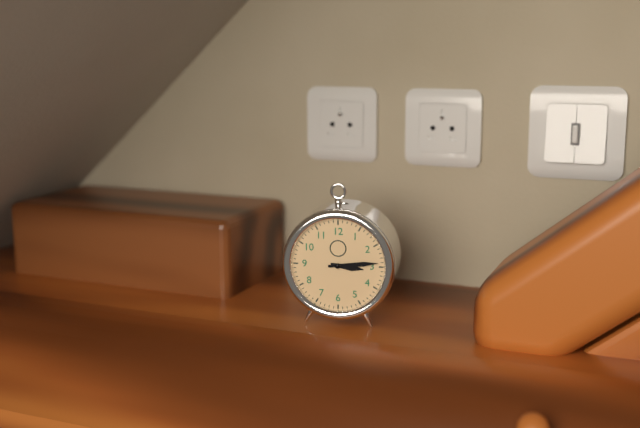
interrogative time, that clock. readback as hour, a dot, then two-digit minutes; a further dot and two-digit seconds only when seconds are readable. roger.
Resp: 3.14
